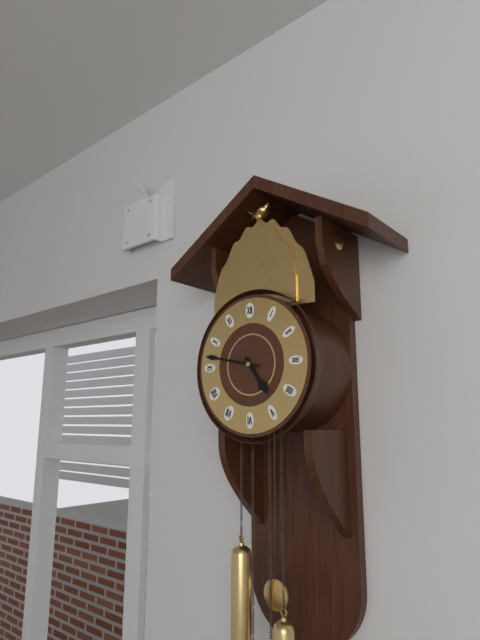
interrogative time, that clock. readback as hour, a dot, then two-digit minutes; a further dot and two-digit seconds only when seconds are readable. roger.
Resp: 4.47
